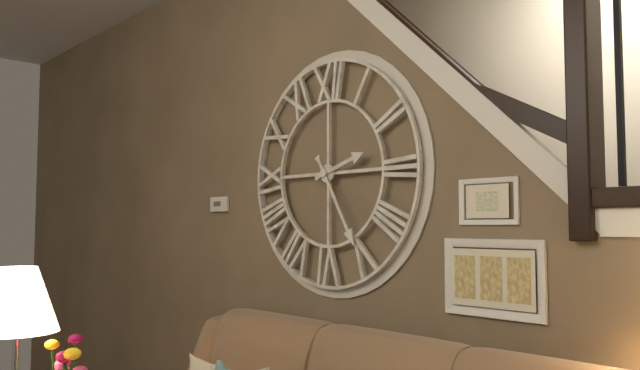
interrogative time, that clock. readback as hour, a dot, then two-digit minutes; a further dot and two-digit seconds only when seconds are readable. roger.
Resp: 2.25
